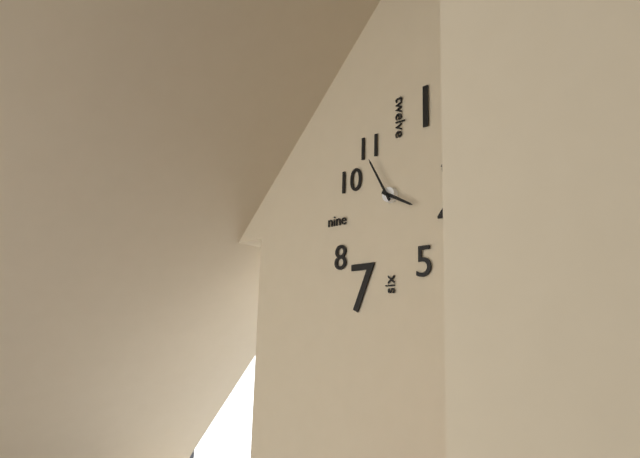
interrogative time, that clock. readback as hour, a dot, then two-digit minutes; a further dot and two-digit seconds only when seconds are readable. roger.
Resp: 3.55
